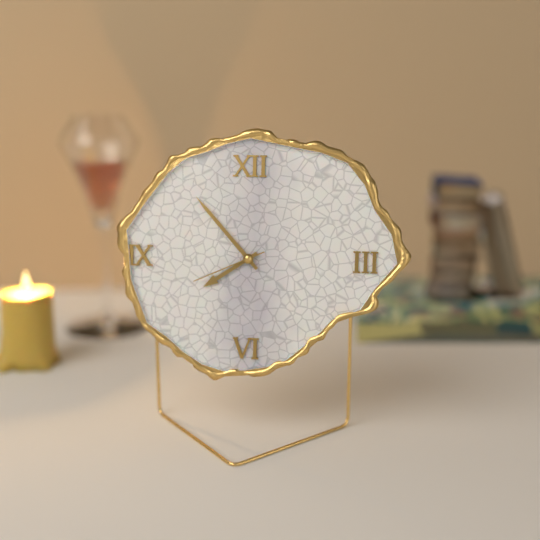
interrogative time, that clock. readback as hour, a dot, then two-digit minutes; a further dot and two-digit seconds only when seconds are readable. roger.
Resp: 7.53.41
